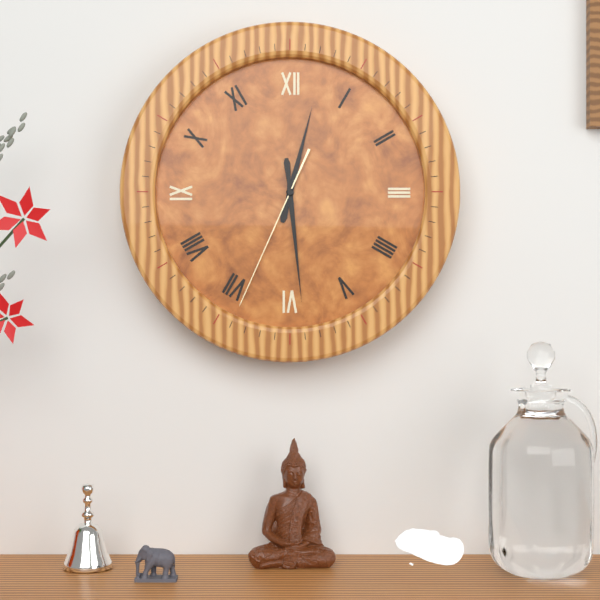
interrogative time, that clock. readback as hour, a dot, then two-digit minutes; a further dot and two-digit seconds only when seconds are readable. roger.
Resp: 12.29.34
